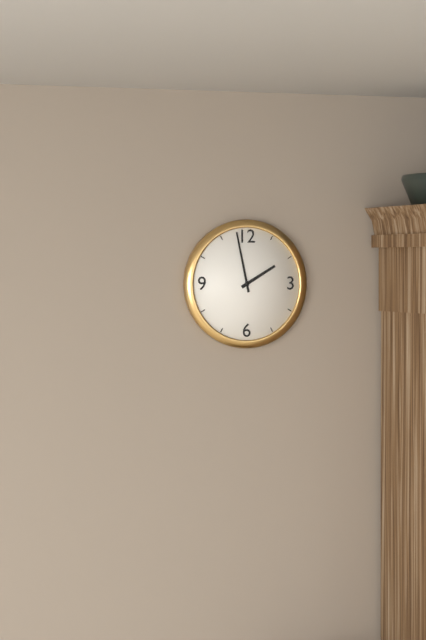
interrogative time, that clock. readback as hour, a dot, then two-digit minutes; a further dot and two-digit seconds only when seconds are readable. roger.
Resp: 1.58
